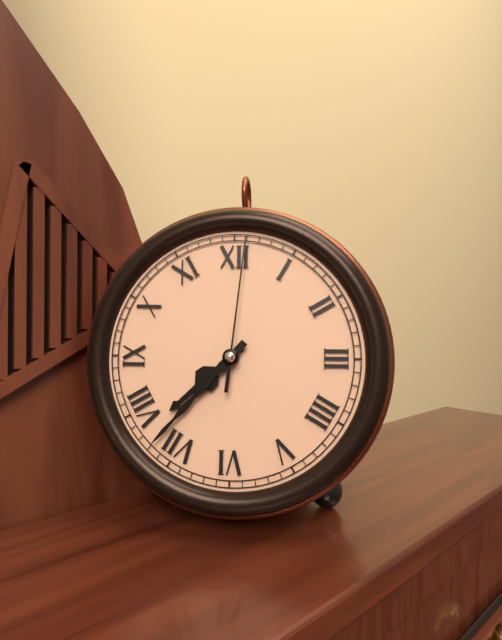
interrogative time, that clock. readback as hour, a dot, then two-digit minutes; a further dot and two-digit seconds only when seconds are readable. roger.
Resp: 7.37.01
